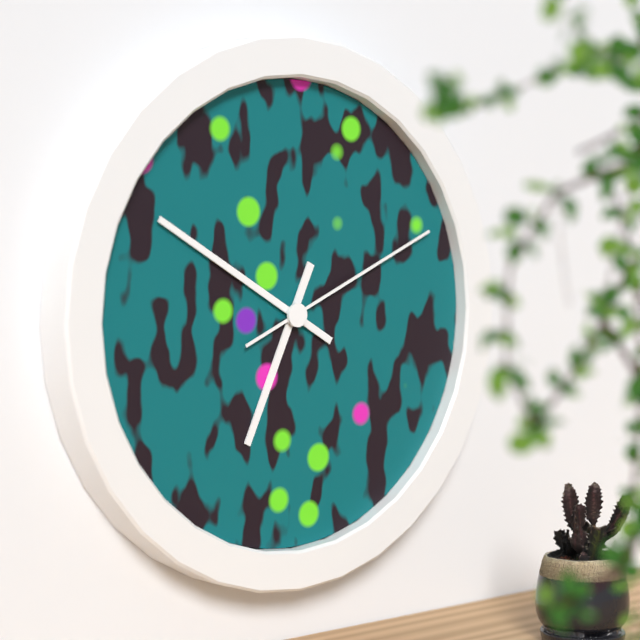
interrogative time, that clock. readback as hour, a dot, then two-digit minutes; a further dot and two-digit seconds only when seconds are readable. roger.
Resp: 6.50.11
